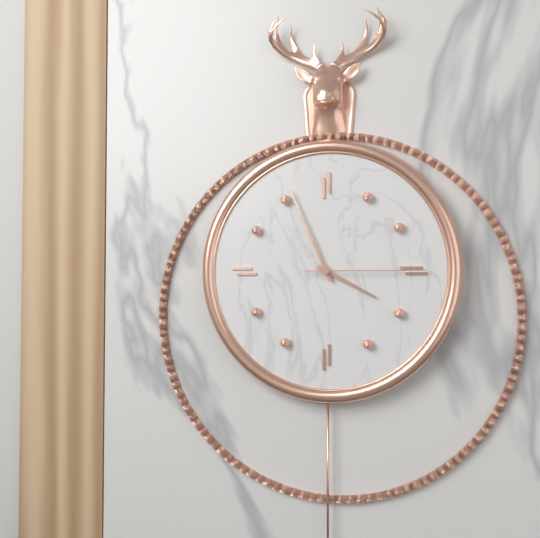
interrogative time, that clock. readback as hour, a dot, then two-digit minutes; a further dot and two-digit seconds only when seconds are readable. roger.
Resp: 3.56.15
